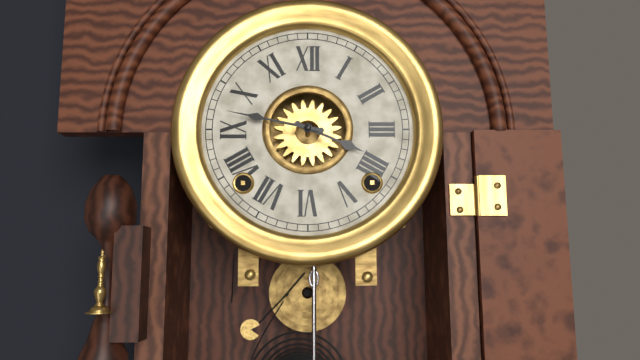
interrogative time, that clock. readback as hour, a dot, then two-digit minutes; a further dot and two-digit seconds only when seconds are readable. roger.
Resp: 3.47
